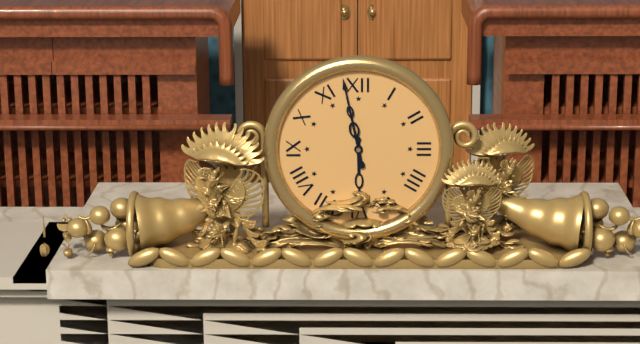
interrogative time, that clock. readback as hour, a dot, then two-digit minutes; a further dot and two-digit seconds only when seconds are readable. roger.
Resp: 5.58
